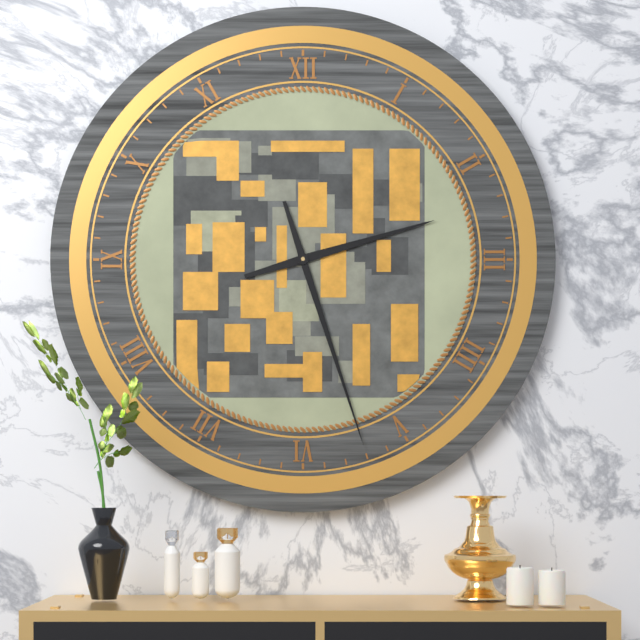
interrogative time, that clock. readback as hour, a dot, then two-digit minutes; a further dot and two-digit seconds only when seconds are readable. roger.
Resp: 2.27
